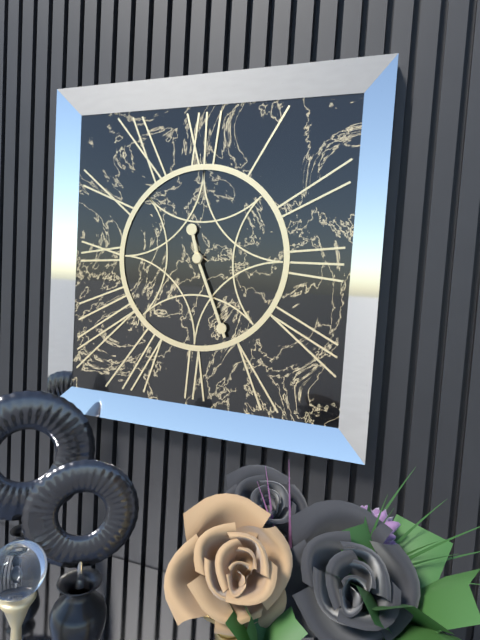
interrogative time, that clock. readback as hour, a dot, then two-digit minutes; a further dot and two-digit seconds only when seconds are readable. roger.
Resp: 11.26
